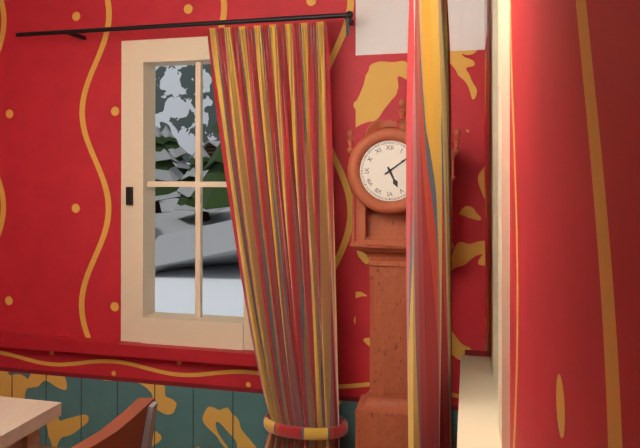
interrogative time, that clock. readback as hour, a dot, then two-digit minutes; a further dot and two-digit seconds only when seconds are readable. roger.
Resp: 5.09
